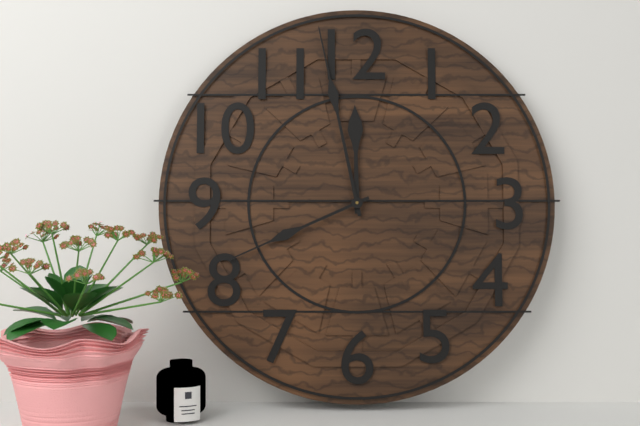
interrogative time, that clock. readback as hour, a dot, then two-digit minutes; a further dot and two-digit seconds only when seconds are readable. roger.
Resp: 11.58.41
